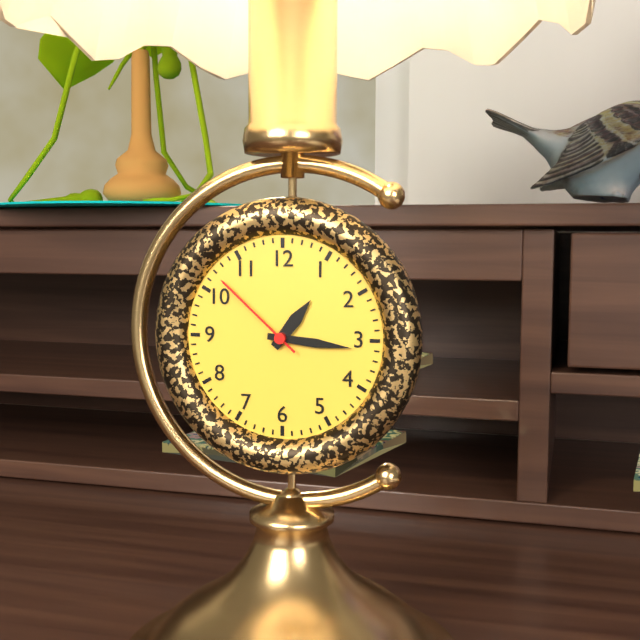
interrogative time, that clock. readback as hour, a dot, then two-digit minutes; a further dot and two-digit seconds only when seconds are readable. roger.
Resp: 1.16.52
